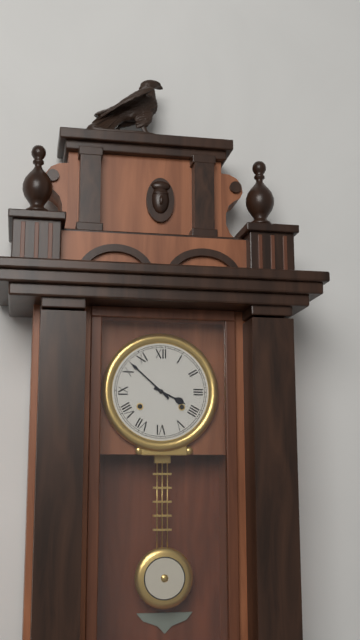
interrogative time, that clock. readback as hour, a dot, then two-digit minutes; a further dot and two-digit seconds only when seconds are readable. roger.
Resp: 3.52
